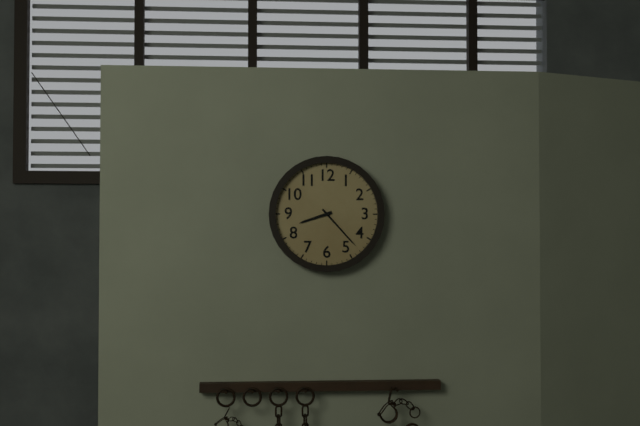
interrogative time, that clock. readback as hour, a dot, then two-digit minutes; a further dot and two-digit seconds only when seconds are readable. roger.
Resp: 8.23
